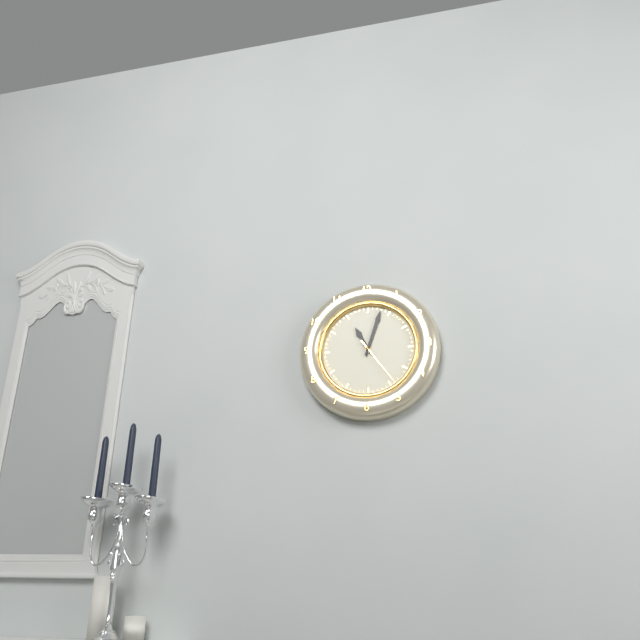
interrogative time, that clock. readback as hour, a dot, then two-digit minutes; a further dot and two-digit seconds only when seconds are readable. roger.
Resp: 11.03.24
